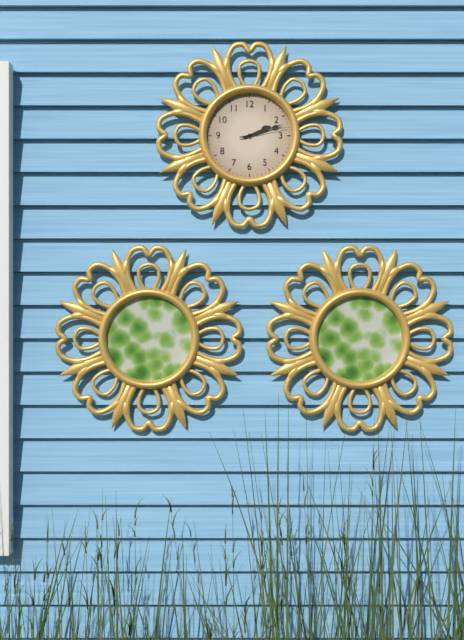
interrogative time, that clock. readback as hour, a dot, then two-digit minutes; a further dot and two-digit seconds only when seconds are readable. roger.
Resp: 2.12
